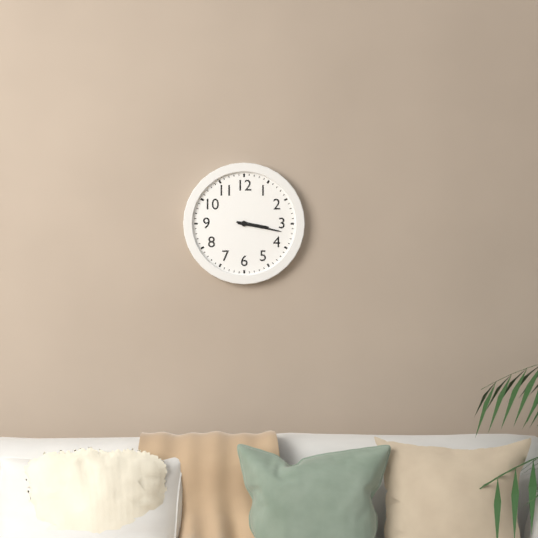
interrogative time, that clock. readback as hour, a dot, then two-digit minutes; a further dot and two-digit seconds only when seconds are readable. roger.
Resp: 3.17
